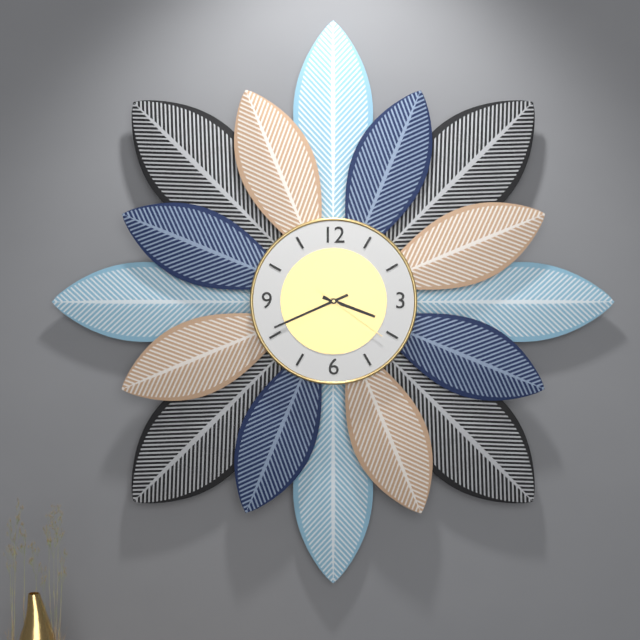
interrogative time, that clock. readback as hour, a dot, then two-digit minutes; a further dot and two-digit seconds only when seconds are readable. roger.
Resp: 3.41.21
